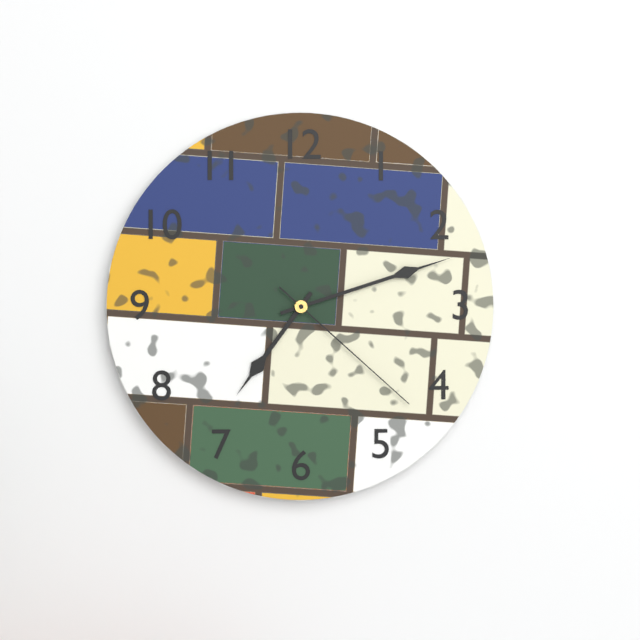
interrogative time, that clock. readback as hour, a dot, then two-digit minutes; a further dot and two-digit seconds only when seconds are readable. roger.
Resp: 7.12.22
